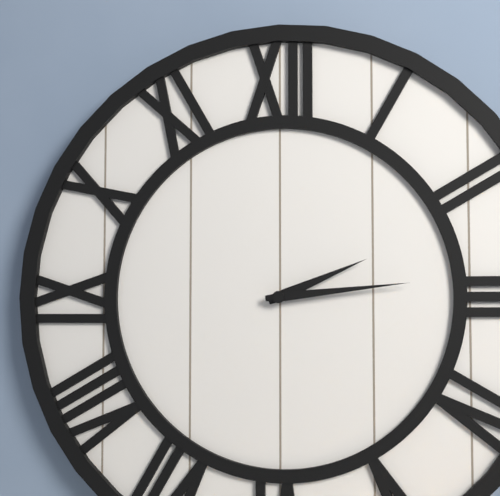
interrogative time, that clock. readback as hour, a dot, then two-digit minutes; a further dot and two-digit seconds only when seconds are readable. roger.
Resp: 2.14
